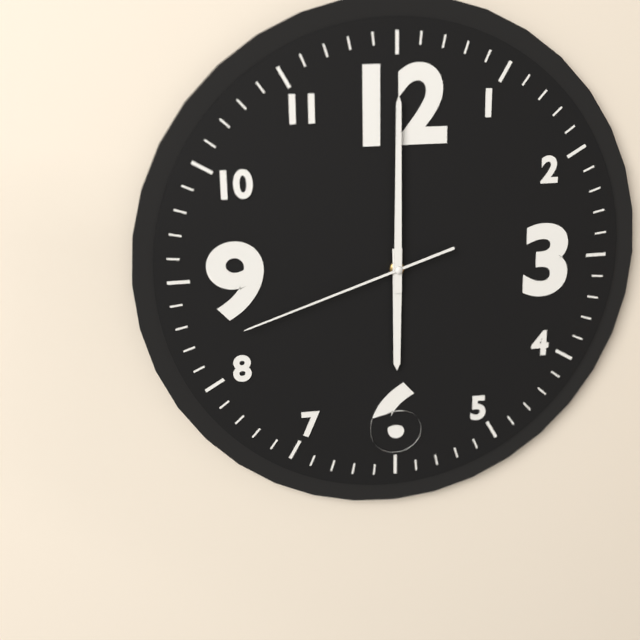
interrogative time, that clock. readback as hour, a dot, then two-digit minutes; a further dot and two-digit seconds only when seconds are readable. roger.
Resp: 6.00.42
